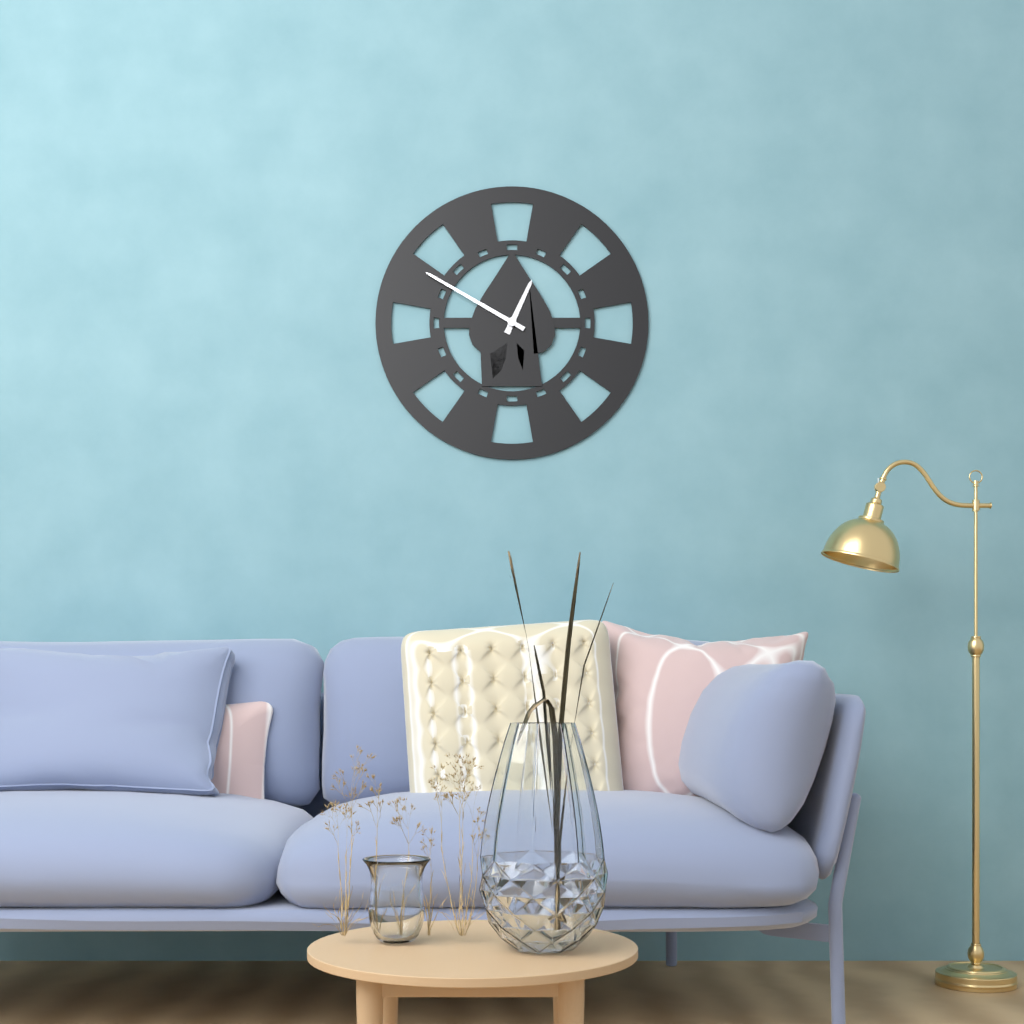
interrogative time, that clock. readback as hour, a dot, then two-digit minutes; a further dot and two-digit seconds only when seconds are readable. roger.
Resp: 12.50
